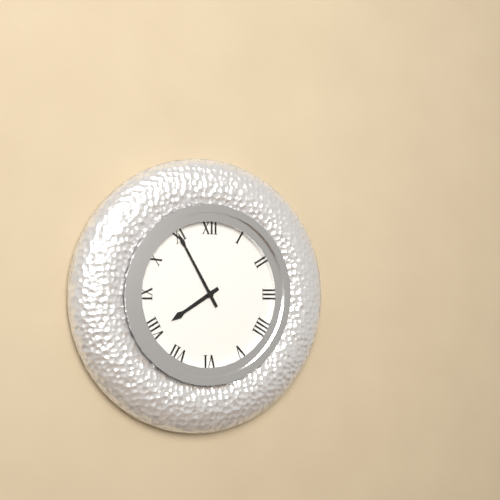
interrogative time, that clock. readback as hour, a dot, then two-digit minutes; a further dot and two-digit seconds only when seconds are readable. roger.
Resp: 7.55
